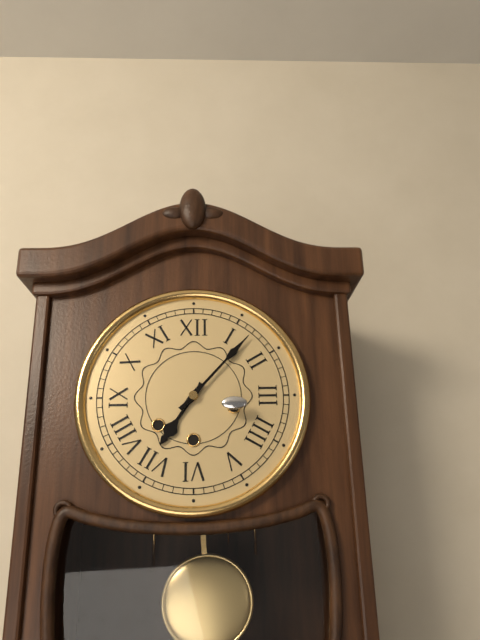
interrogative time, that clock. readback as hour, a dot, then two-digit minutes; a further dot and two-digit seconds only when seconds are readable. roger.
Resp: 7.07
